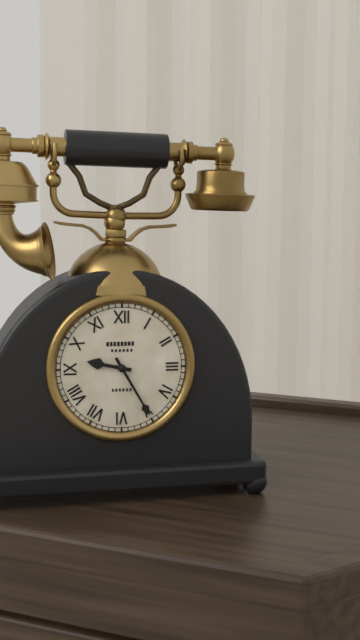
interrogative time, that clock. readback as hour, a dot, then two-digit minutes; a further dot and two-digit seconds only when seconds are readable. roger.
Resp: 9.25
